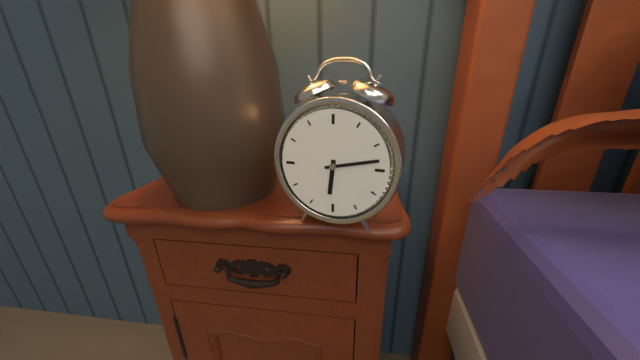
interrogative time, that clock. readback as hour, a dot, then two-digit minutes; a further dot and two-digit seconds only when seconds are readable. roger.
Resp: 6.13
